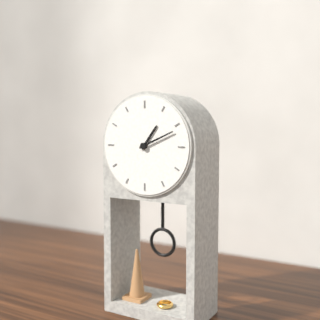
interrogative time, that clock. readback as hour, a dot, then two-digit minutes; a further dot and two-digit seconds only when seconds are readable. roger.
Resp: 1.11
